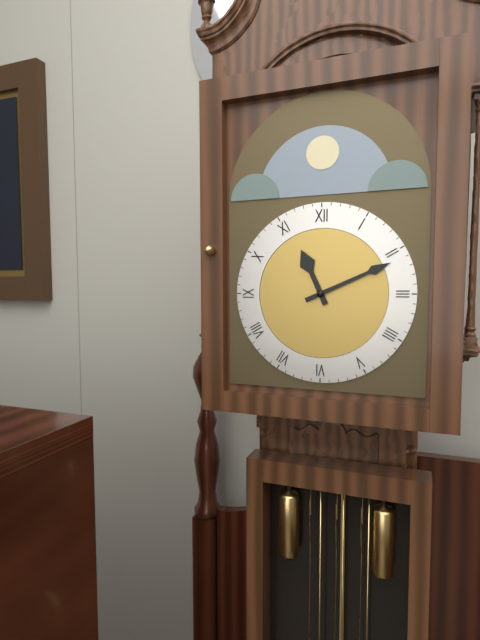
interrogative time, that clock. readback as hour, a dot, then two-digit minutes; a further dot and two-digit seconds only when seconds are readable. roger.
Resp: 11.11
